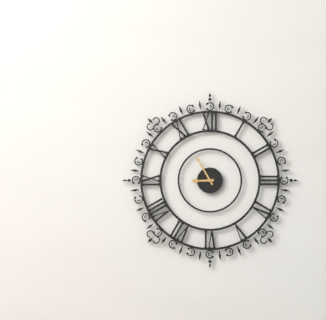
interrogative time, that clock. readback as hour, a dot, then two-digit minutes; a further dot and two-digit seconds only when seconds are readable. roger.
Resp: 8.55
